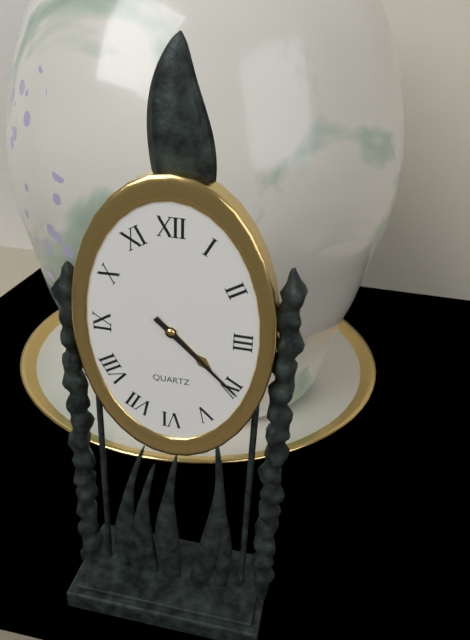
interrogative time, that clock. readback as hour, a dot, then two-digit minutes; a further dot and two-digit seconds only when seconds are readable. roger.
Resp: 4.22
